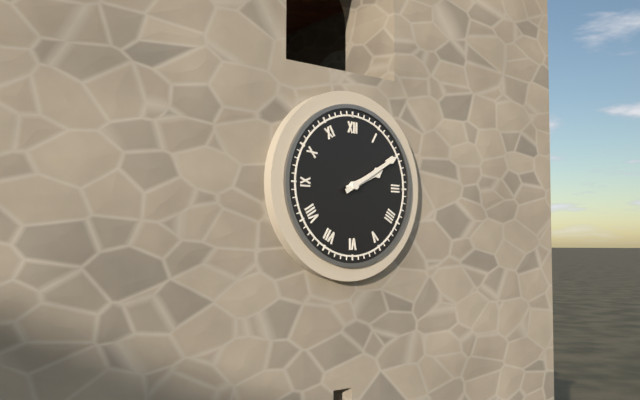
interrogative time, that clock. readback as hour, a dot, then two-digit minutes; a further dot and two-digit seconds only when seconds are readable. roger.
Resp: 2.10
